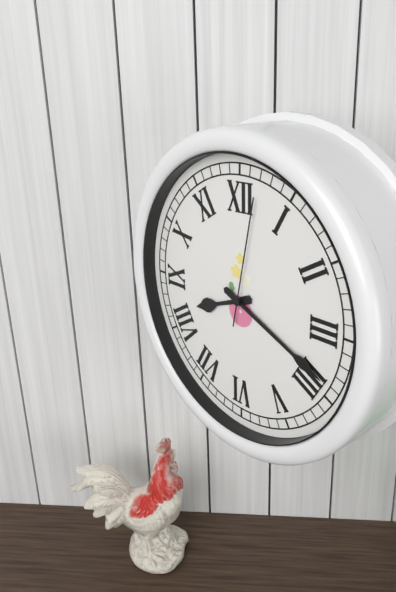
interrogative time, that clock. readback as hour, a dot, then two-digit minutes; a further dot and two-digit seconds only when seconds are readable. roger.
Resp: 8.19.02
